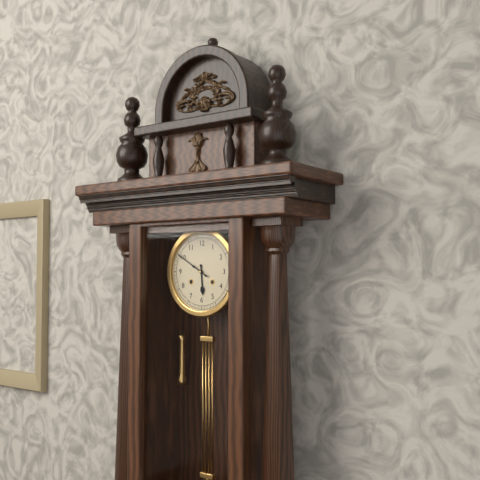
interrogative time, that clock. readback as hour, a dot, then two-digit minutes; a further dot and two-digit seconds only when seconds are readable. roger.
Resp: 5.50
